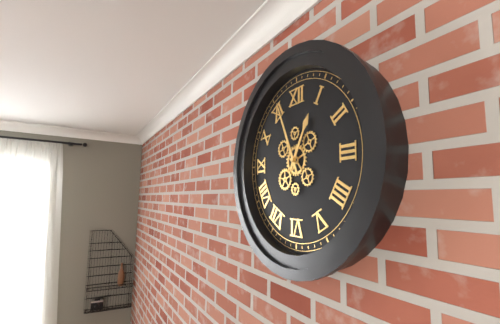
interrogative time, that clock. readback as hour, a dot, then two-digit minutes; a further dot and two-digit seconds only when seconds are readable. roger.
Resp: 12.56
